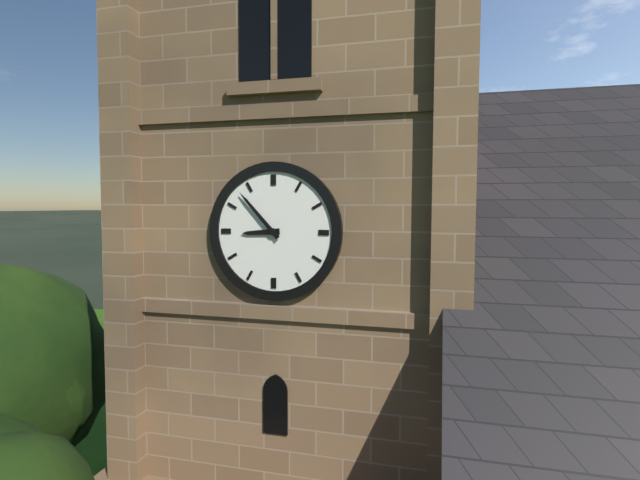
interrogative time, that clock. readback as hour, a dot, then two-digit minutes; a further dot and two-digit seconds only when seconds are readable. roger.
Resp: 8.53
